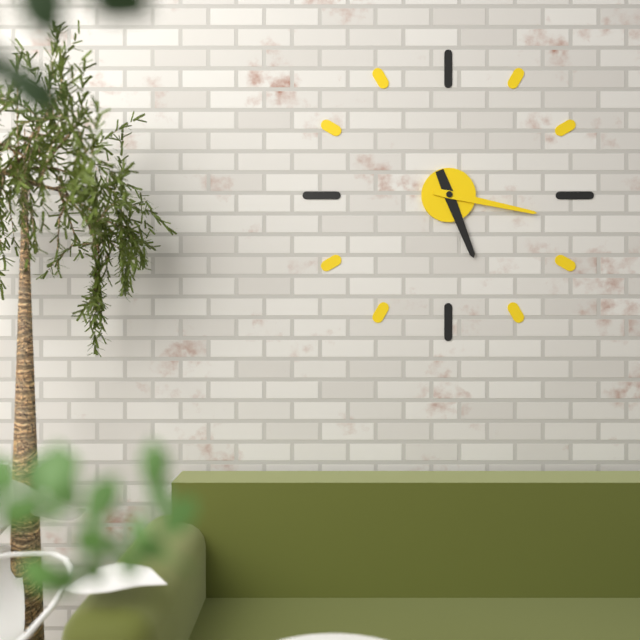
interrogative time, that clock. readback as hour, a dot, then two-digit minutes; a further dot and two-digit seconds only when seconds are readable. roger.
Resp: 5.17
